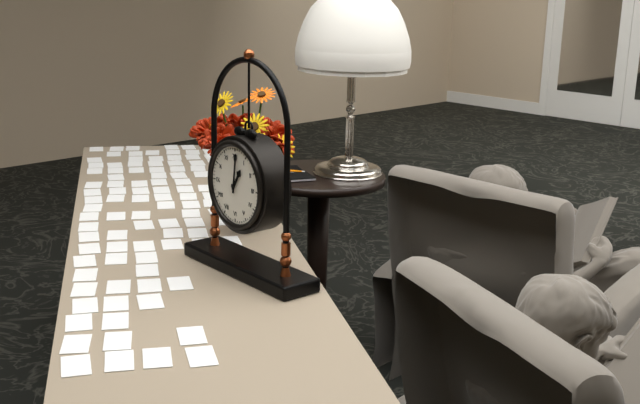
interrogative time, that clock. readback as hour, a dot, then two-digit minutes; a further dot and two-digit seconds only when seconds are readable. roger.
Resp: 1.01
